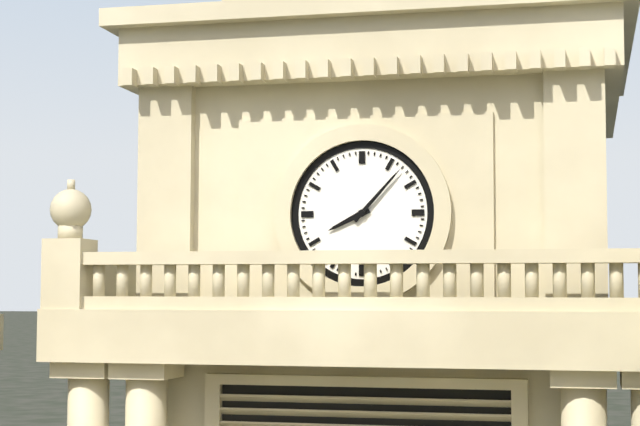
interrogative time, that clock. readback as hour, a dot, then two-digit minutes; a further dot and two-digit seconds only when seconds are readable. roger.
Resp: 8.07
